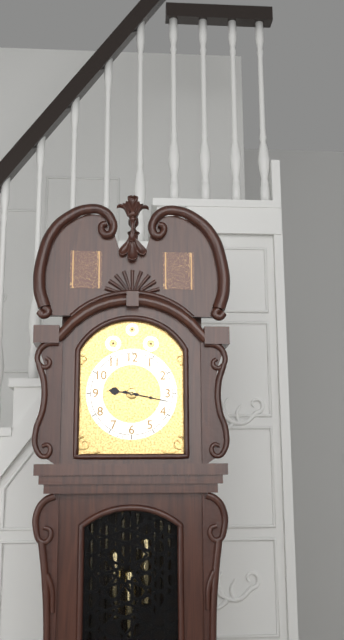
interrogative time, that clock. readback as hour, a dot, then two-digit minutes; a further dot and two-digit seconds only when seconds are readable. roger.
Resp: 9.17
